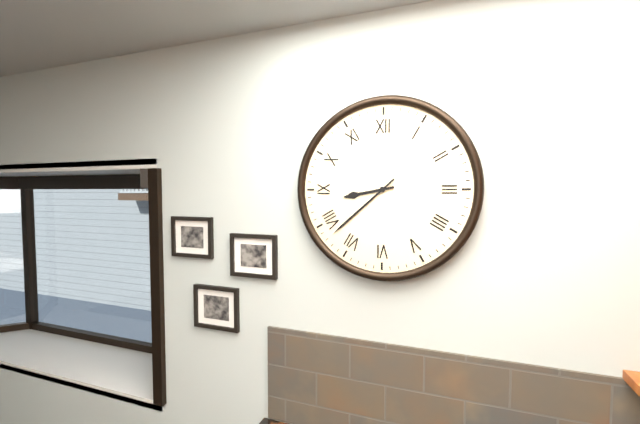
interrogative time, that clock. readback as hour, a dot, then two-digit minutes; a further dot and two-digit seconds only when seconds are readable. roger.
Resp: 8.38
